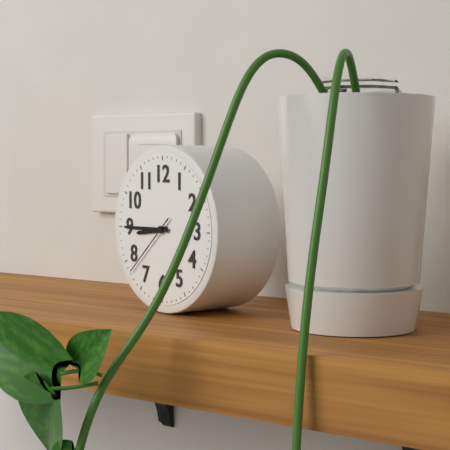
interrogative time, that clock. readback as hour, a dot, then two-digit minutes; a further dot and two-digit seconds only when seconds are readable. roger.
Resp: 8.45.38
